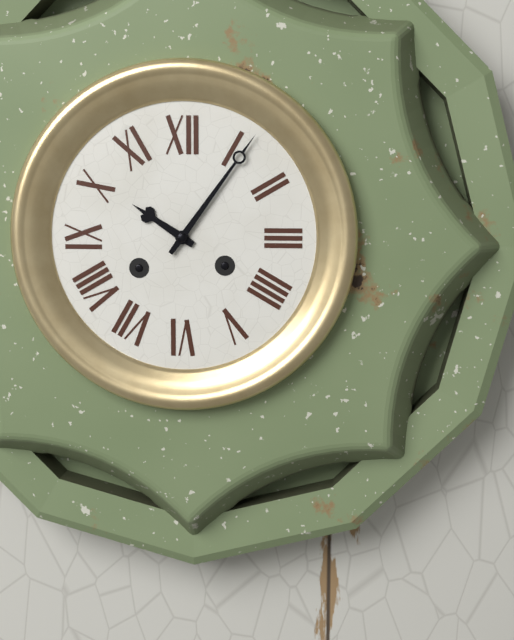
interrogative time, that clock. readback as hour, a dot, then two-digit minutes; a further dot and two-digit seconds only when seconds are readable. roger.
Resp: 10.06
